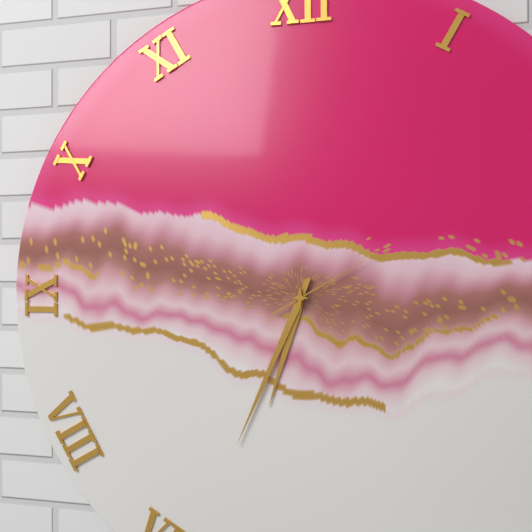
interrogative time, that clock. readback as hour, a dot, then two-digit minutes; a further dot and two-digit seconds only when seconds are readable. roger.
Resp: 6.34.10
